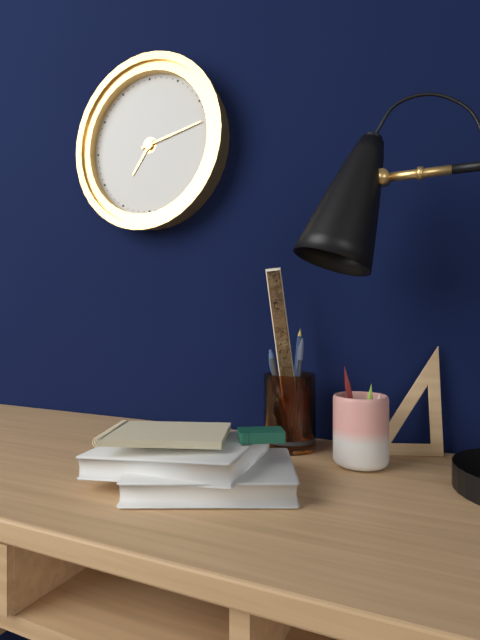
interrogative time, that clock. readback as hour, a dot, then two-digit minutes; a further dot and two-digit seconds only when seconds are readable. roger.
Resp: 7.13
